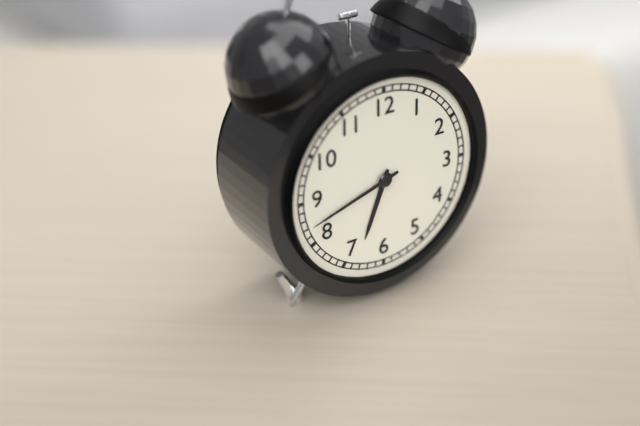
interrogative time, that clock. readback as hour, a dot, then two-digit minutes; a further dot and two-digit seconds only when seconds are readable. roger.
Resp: 6.42
